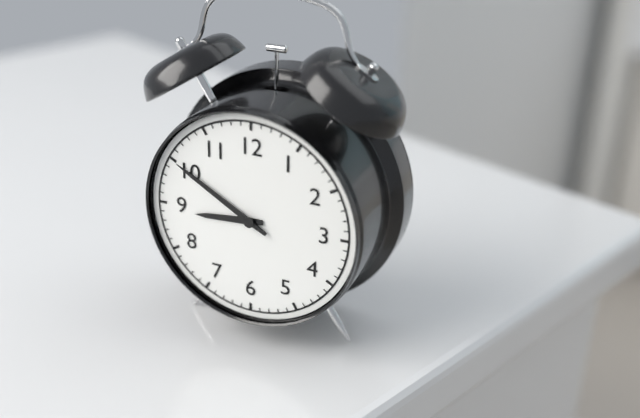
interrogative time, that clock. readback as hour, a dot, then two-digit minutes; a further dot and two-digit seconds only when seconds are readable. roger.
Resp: 8.50
